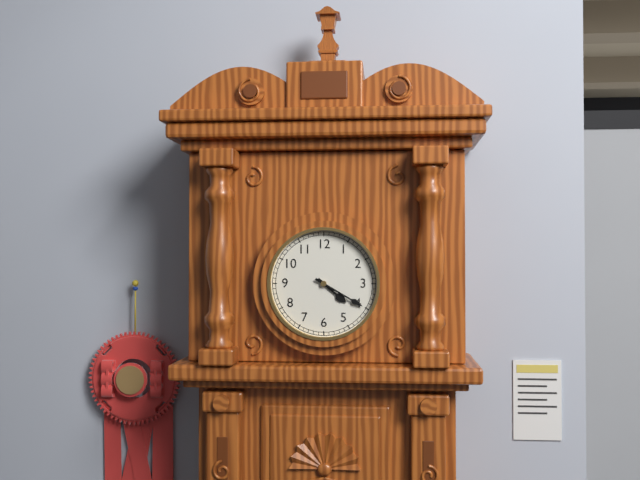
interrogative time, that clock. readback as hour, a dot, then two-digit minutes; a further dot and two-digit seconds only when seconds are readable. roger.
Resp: 4.20
